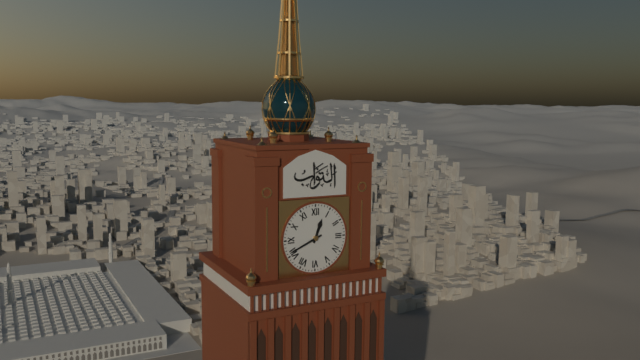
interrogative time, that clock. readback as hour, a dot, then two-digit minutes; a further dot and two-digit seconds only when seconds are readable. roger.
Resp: 12.41
